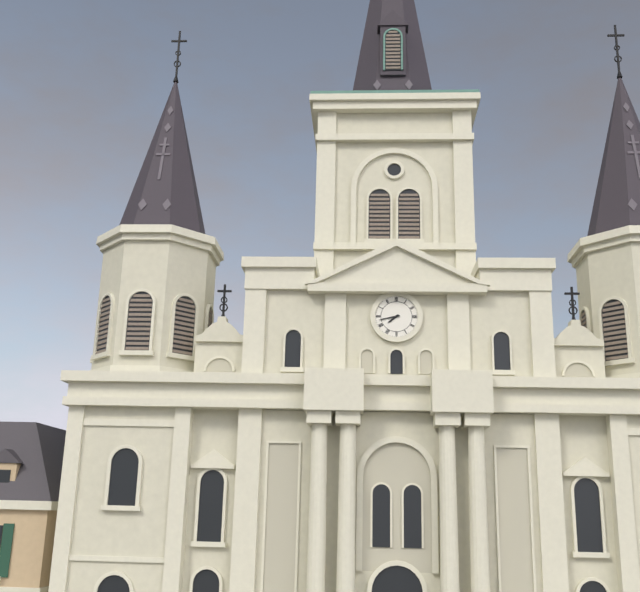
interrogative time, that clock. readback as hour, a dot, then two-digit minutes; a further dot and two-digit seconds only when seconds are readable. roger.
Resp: 7.43
